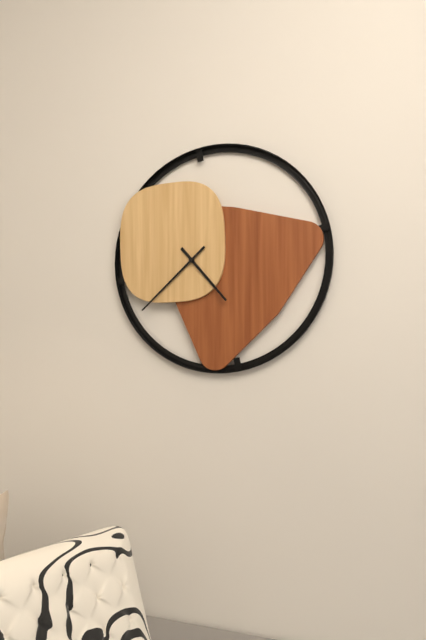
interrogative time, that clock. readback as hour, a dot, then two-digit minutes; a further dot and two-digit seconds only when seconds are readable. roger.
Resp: 4.38
